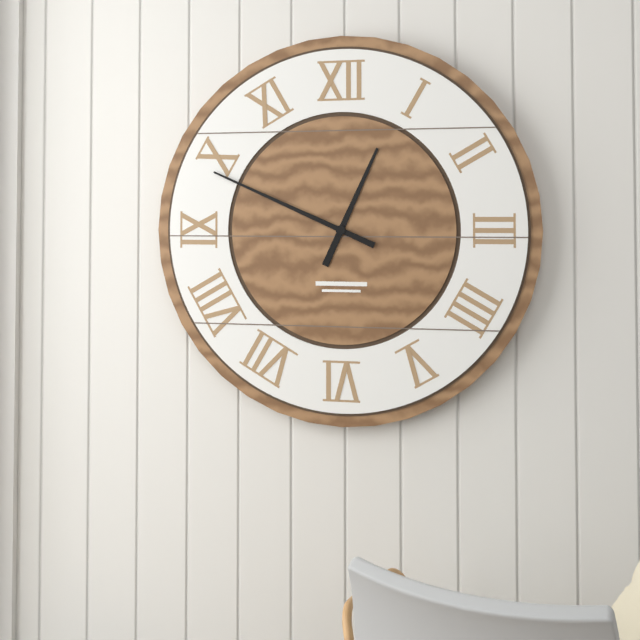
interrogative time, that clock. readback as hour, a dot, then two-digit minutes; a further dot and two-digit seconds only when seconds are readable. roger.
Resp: 12.49
